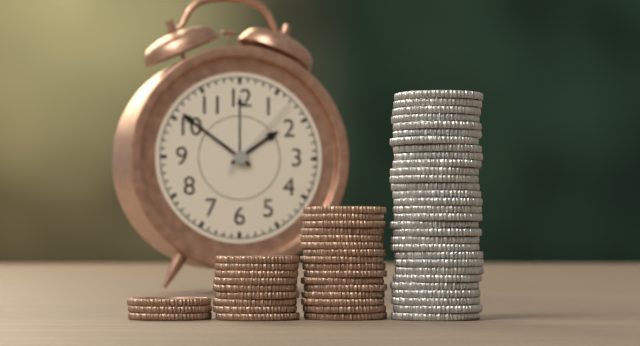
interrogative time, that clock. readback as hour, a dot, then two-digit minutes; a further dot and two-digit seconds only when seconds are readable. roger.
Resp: 1.51.07
